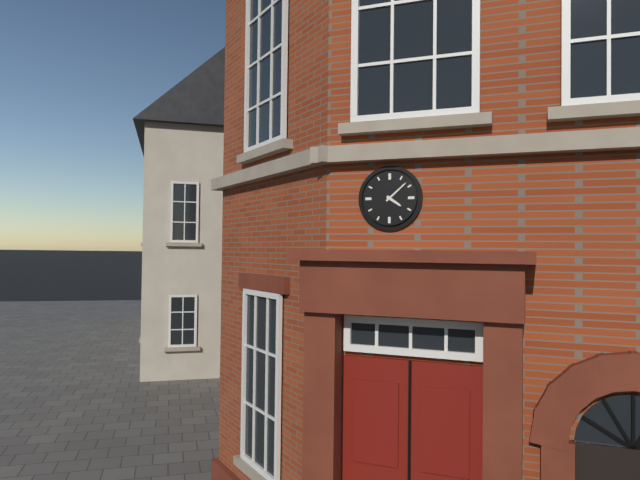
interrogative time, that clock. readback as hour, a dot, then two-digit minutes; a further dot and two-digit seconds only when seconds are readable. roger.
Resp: 4.08
